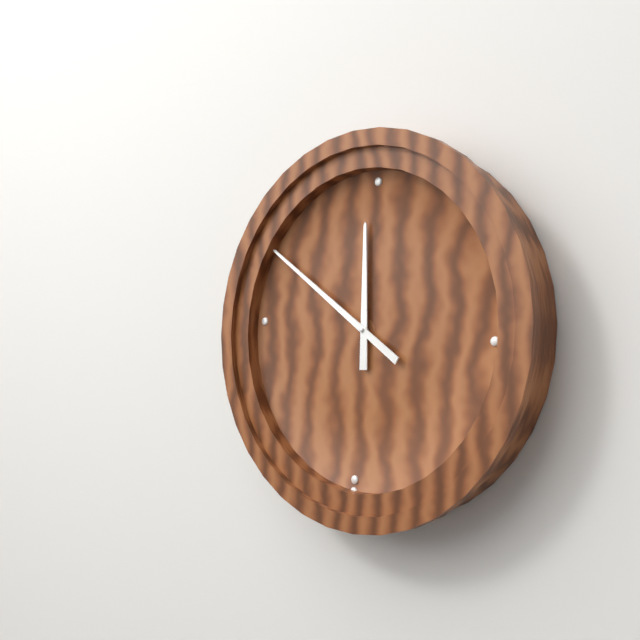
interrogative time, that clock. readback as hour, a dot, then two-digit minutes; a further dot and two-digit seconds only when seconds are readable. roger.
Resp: 11.50
